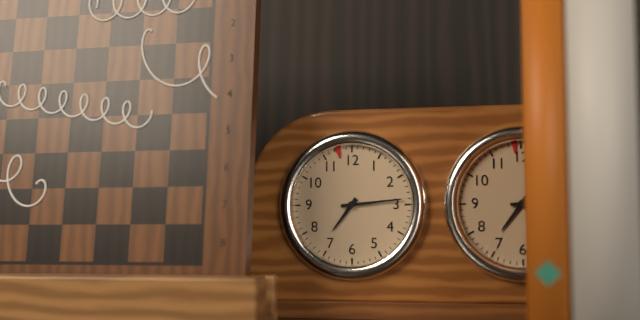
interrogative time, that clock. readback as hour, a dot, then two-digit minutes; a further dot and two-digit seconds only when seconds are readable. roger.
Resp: 7.14
